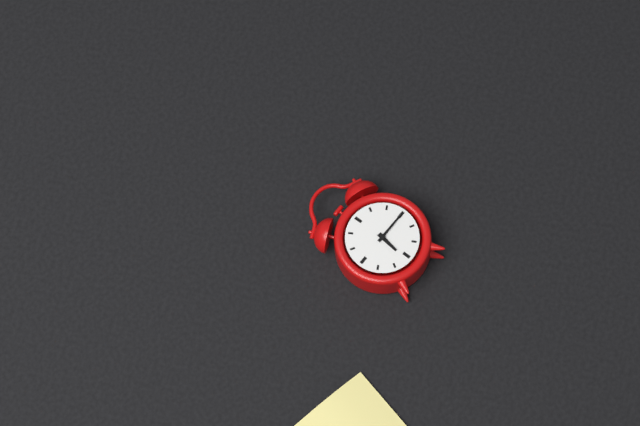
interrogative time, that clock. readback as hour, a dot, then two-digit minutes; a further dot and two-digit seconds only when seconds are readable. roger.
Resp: 6.15
